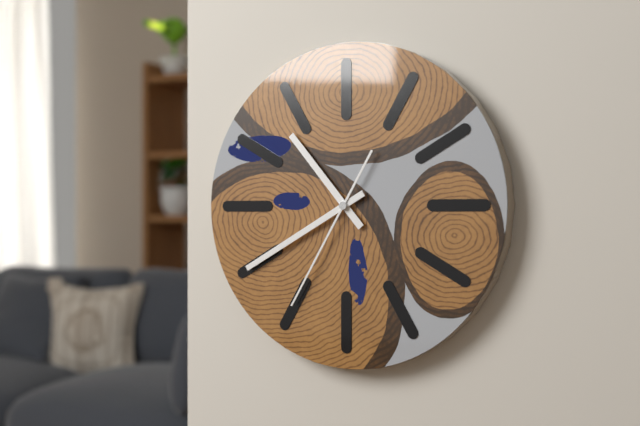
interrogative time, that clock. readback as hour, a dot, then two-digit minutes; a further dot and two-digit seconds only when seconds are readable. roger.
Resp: 10.40.35
